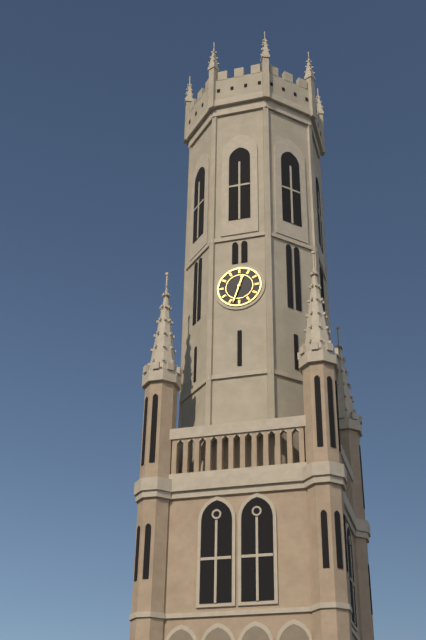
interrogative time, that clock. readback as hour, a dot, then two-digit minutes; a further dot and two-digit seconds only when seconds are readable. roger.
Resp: 12.33
